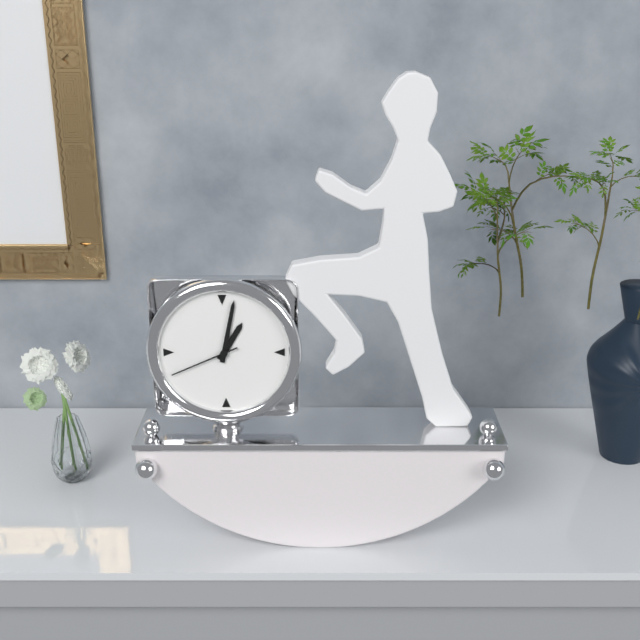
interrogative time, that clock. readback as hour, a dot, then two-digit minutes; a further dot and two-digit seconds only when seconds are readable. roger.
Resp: 1.02.41
